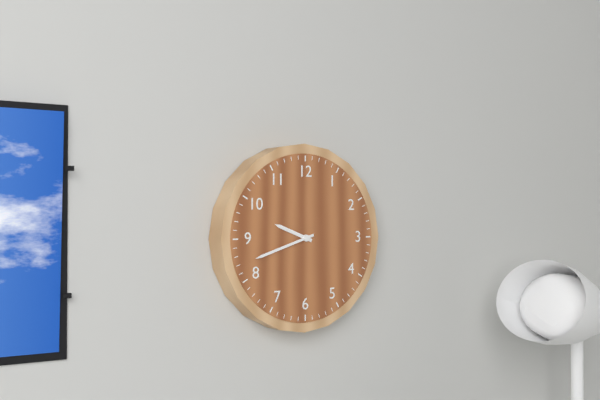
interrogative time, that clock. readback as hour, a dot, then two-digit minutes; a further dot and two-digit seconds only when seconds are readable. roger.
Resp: 9.42
